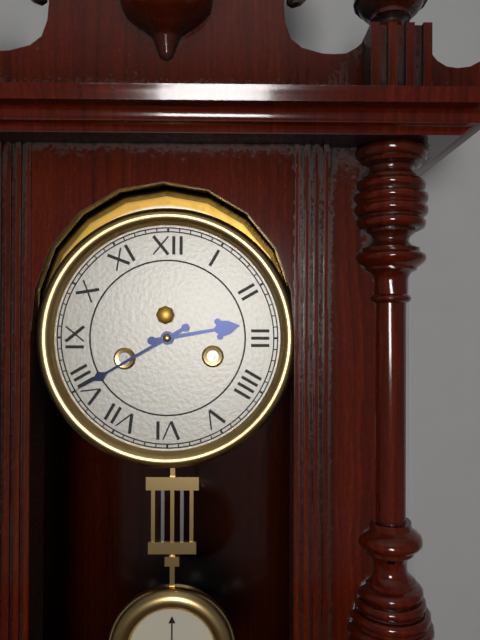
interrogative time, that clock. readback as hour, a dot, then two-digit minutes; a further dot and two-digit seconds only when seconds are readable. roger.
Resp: 2.40
